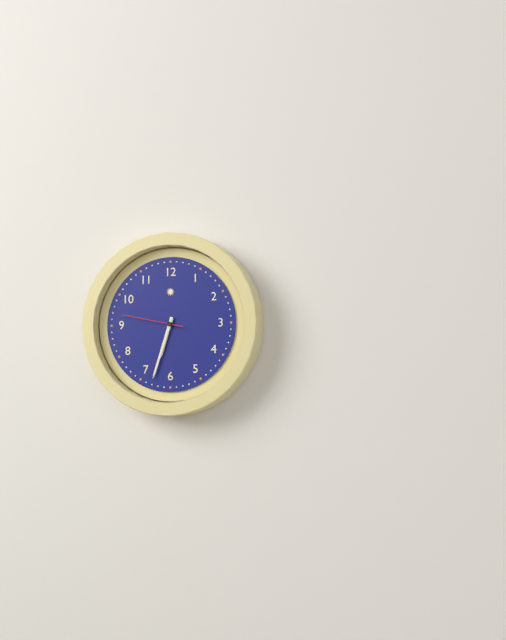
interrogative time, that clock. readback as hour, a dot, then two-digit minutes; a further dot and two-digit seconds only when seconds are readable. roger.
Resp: 6.33.47
